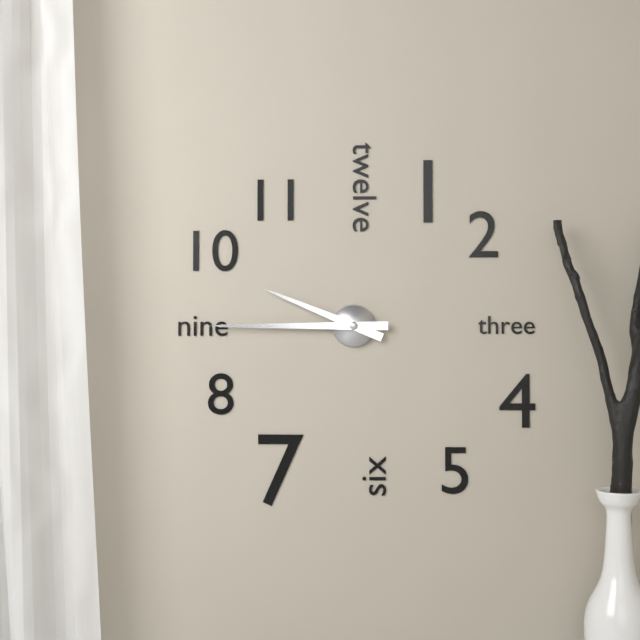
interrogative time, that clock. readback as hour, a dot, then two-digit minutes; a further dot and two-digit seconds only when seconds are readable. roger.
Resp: 9.45
